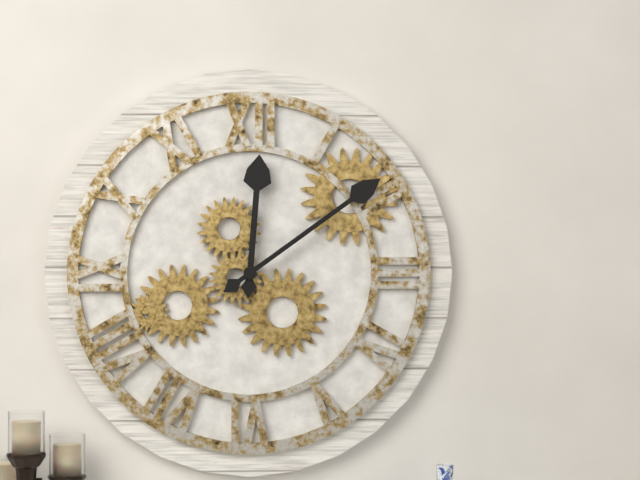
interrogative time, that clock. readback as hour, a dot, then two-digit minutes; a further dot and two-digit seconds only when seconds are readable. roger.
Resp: 12.09
